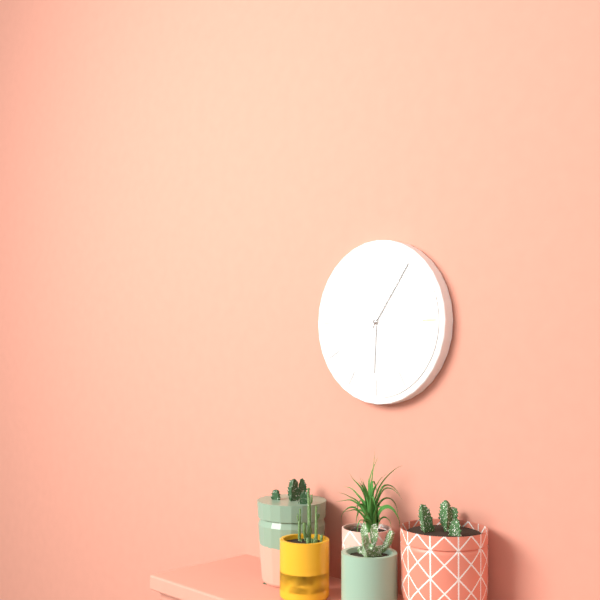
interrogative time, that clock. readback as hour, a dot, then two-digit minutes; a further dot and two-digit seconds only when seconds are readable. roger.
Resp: 6.06
